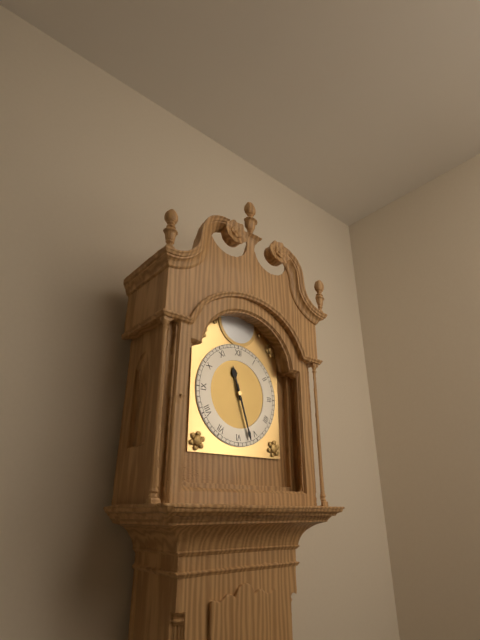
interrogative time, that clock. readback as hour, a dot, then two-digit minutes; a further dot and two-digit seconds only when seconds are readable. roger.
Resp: 11.27
